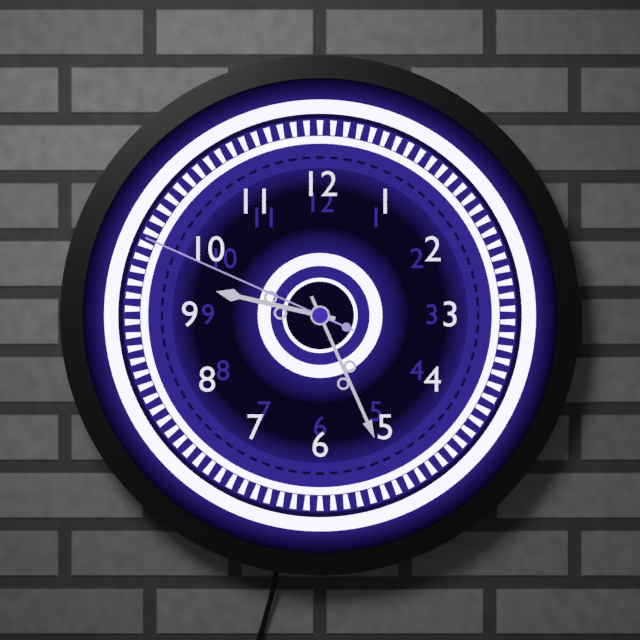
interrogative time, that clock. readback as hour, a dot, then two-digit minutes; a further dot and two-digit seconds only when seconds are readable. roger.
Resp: 9.26.49
